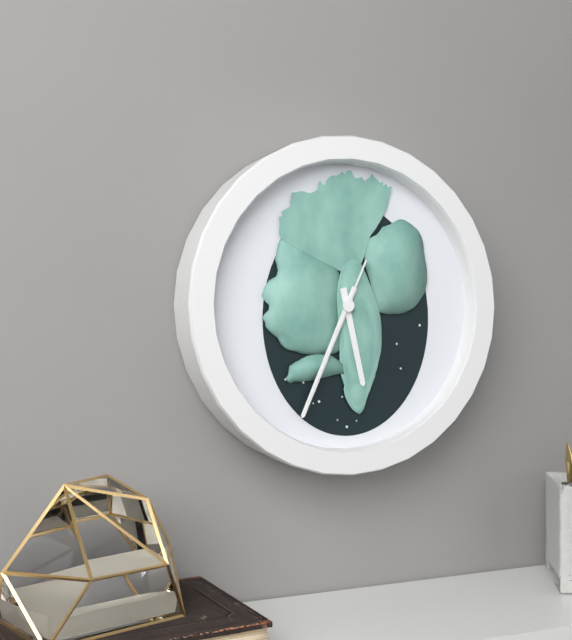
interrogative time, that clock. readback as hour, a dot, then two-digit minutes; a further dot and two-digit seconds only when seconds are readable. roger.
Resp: 5.34.34
